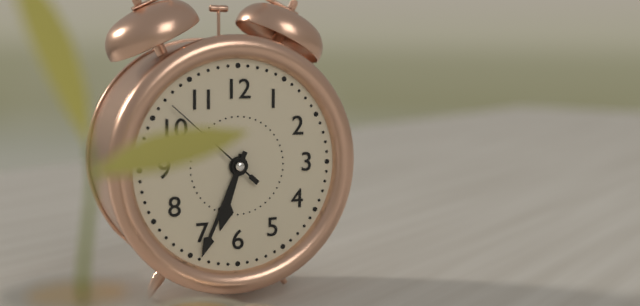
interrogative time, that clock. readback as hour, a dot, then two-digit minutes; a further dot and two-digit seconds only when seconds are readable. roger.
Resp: 6.34.52
